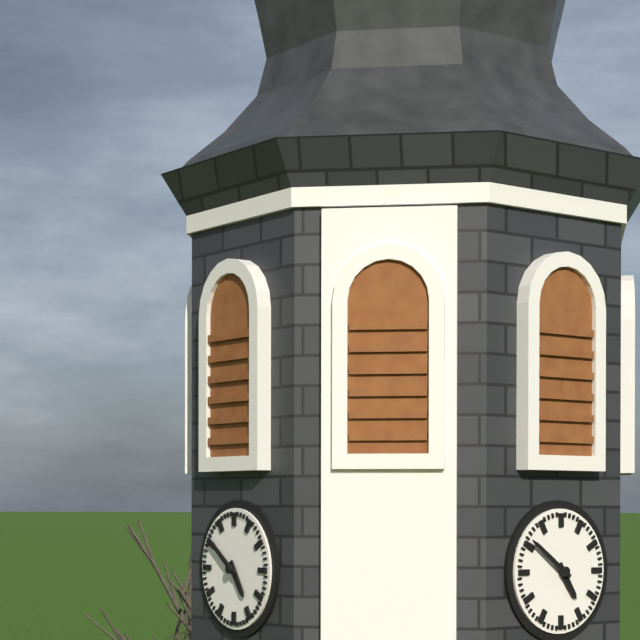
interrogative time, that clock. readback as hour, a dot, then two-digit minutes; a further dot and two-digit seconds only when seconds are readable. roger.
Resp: 4.51
